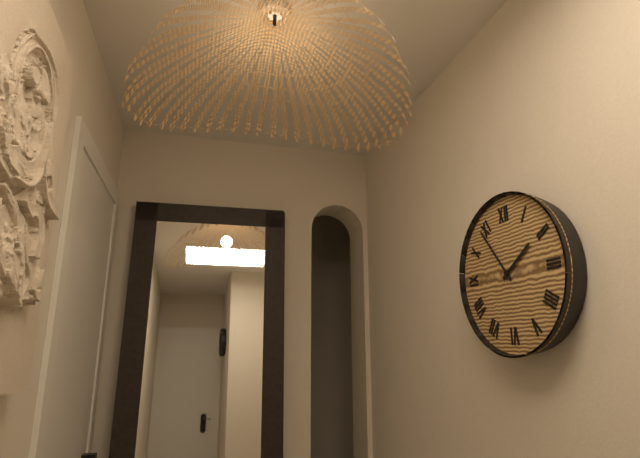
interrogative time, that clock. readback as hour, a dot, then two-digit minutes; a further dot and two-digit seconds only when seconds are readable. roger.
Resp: 1.54
